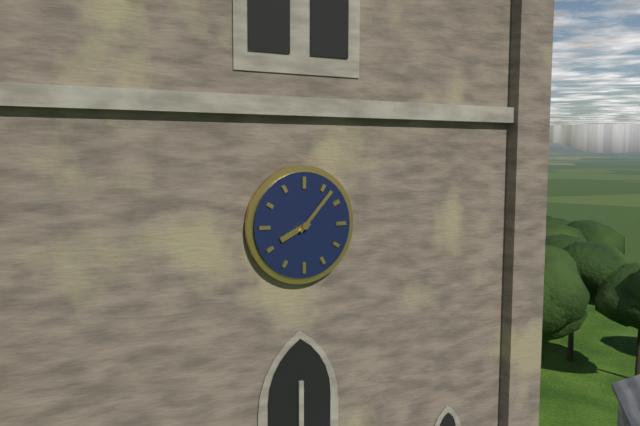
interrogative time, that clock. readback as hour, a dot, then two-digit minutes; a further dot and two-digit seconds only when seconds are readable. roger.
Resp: 8.07
